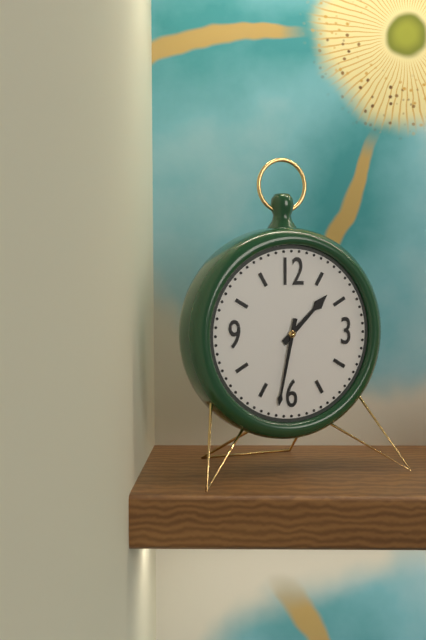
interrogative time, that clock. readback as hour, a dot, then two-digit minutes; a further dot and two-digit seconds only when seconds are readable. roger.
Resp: 1.32
